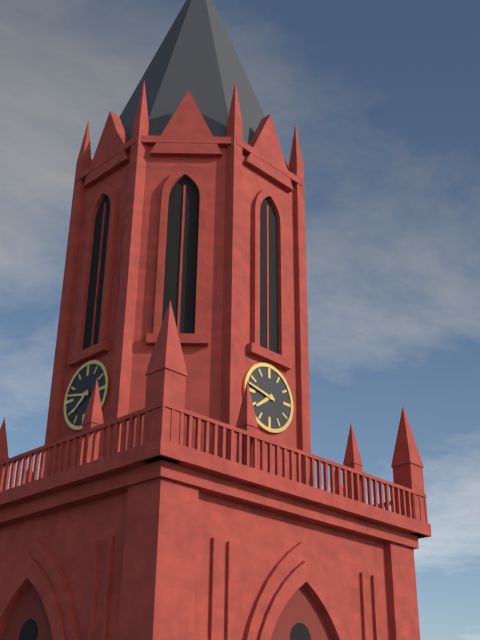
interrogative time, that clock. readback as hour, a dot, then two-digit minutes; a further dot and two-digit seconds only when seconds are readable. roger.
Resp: 7.47
